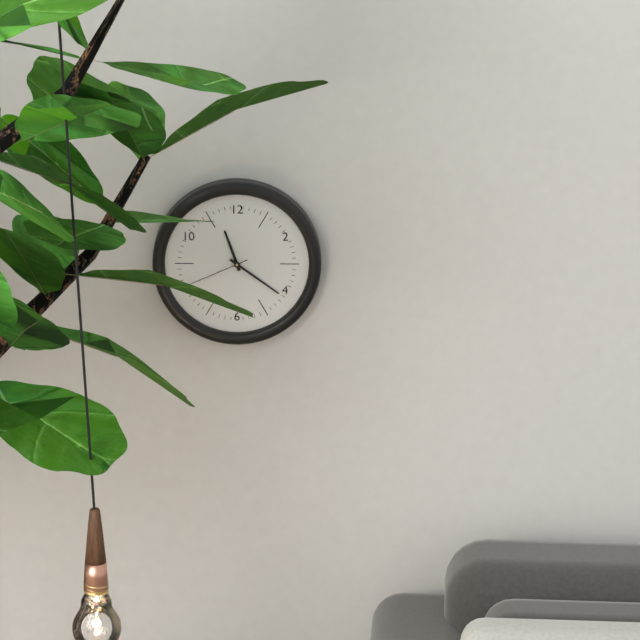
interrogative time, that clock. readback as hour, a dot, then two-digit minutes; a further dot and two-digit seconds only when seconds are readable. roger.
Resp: 11.21.41
